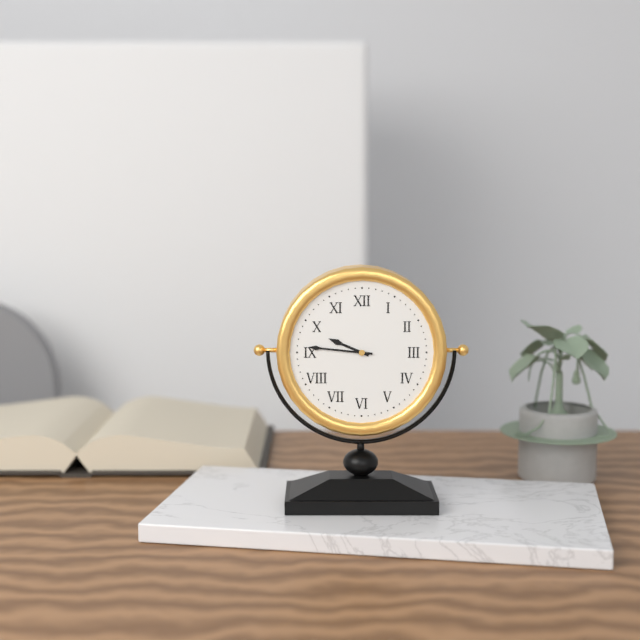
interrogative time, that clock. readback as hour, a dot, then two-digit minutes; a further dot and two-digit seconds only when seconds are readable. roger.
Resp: 9.46
